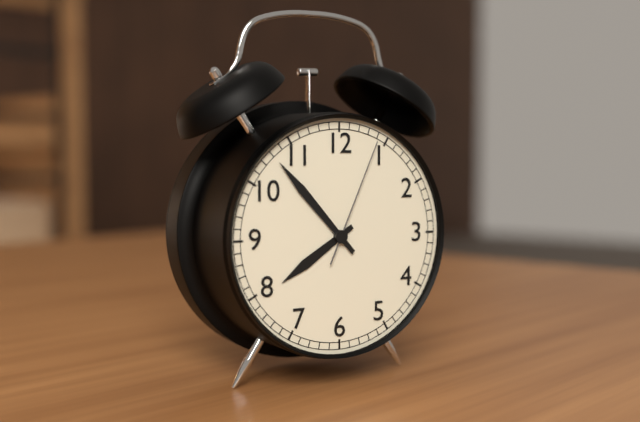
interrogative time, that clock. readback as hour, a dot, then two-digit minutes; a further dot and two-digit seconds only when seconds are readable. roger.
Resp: 7.53.04
